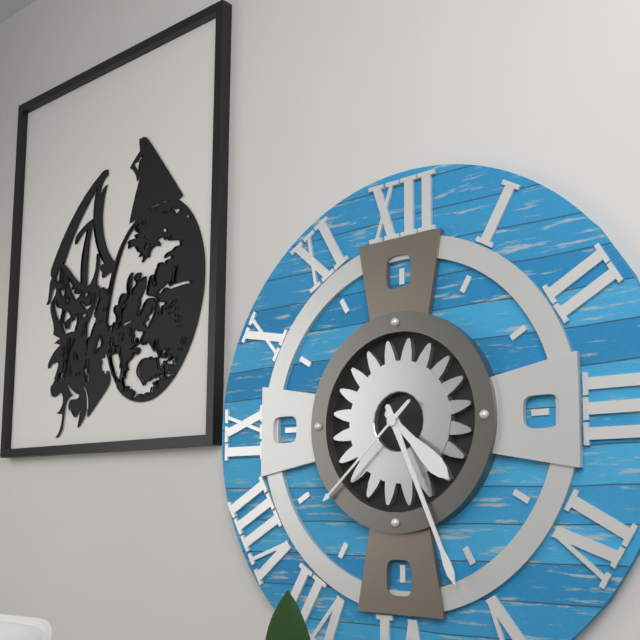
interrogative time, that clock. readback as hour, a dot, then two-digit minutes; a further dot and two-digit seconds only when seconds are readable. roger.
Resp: 4.26.38
